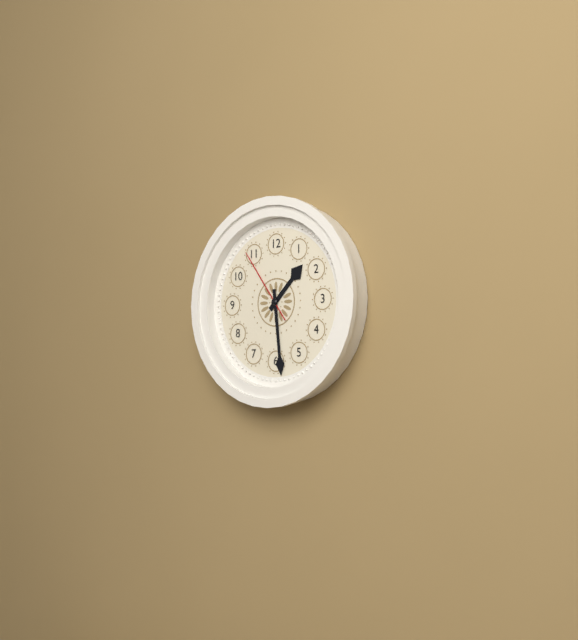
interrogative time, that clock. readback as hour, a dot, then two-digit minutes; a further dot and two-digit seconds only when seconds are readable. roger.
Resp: 1.29.54
